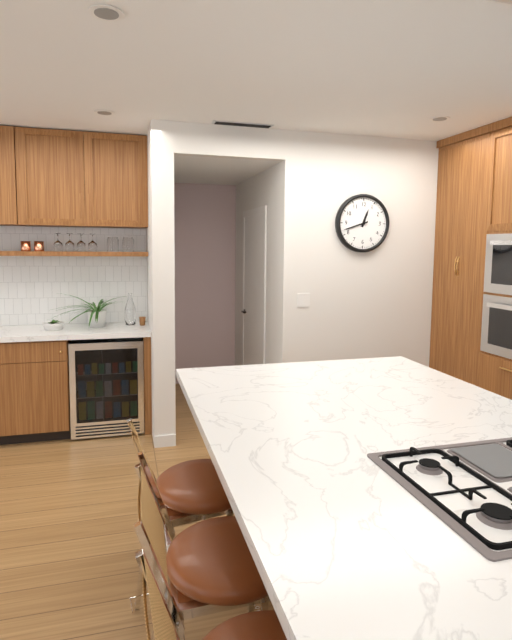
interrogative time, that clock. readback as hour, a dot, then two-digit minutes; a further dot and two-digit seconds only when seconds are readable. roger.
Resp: 12.42
